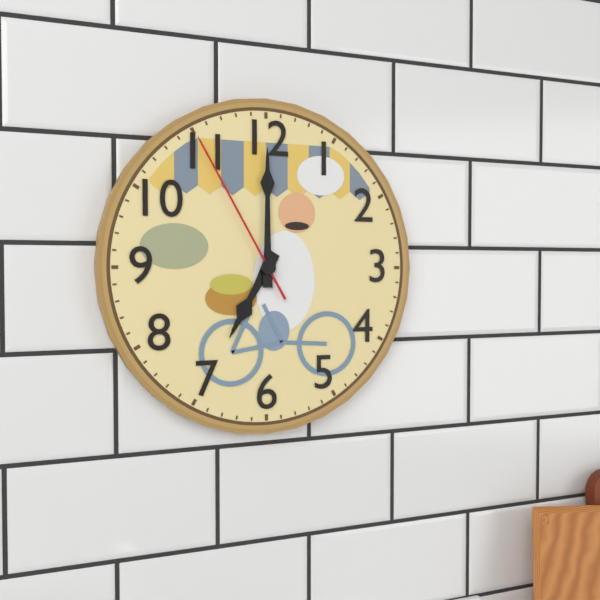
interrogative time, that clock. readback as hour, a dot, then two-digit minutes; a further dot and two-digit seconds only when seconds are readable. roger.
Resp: 7.00.55
